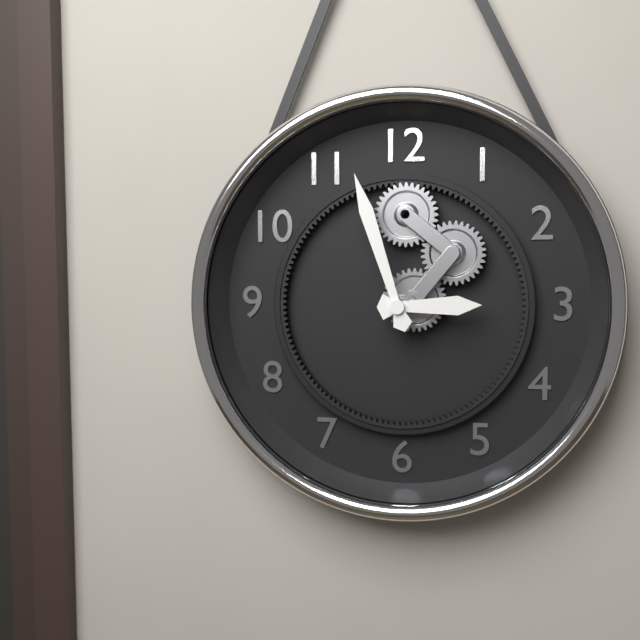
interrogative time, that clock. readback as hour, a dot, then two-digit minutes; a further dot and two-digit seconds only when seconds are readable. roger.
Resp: 2.57
